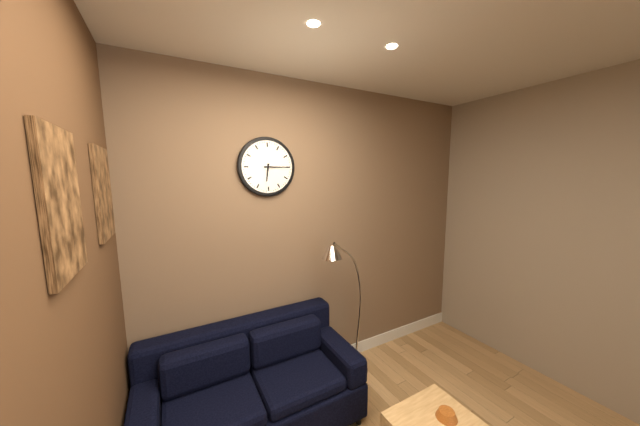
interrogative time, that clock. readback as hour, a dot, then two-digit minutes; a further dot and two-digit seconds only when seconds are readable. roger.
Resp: 6.15
